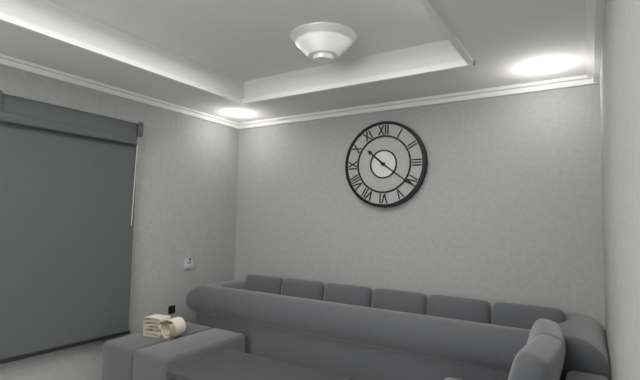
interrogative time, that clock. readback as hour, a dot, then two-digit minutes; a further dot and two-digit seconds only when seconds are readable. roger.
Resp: 10.21
